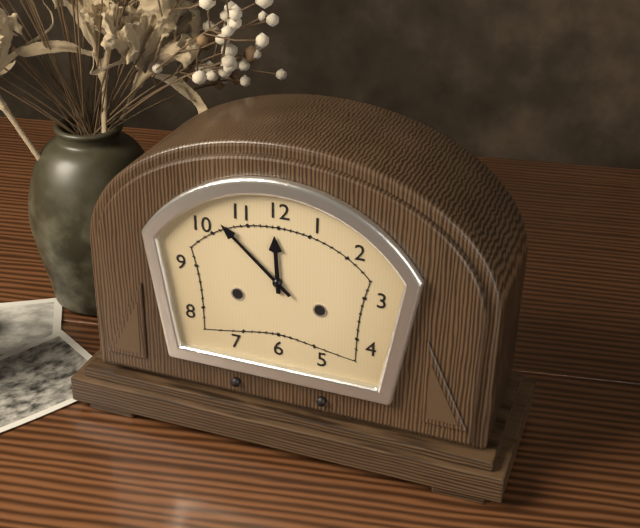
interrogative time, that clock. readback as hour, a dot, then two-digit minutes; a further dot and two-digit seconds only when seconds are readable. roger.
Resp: 11.52
